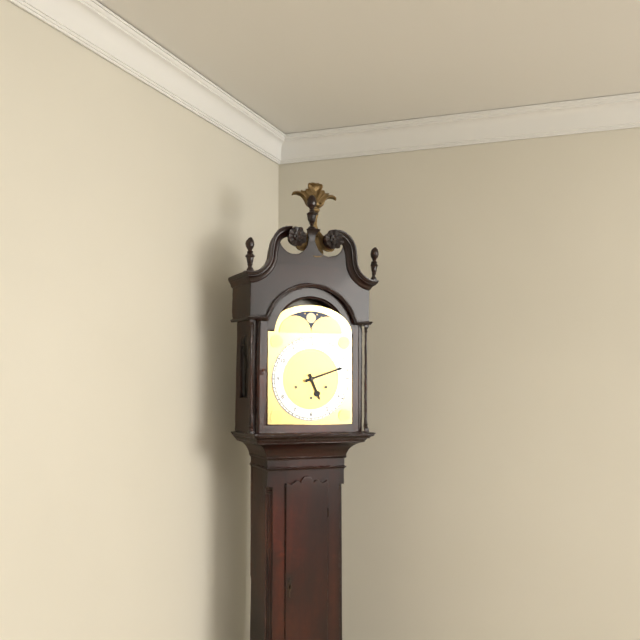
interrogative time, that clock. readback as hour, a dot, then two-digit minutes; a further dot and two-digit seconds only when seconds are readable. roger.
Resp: 5.12
